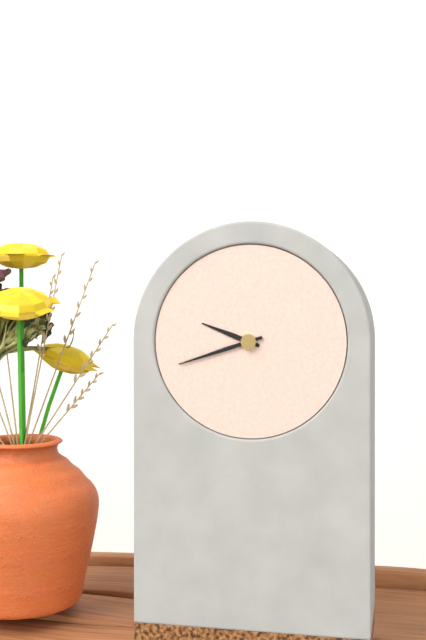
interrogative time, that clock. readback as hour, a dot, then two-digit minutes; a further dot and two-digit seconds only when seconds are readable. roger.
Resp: 9.42
